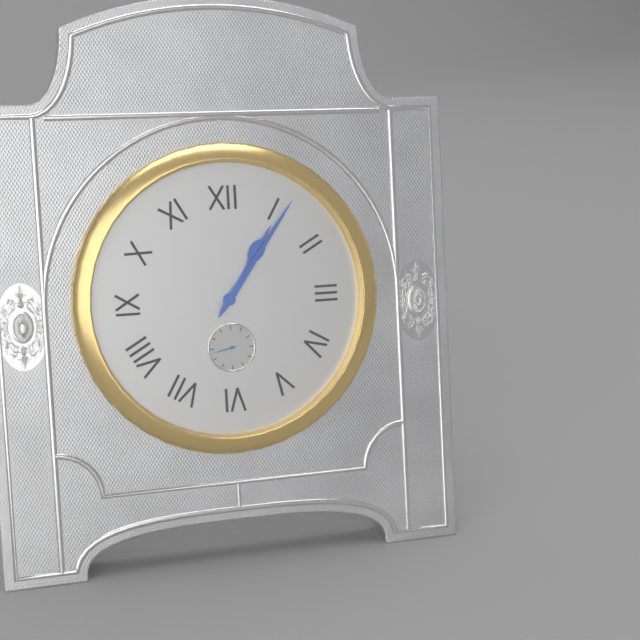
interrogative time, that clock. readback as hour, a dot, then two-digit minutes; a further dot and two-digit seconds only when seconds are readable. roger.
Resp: 1.06
